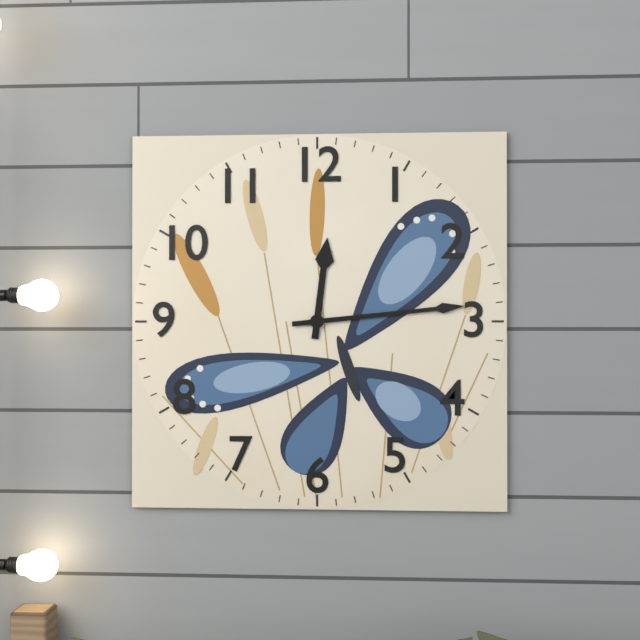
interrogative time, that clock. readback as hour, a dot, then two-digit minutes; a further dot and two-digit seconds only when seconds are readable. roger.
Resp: 12.14
